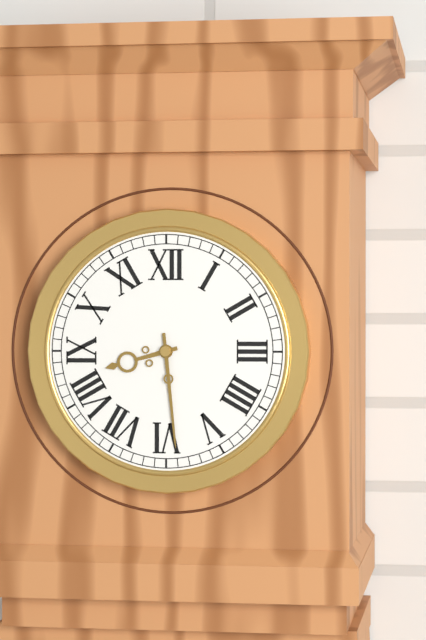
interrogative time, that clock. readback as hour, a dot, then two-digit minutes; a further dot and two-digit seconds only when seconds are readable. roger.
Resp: 8.29
